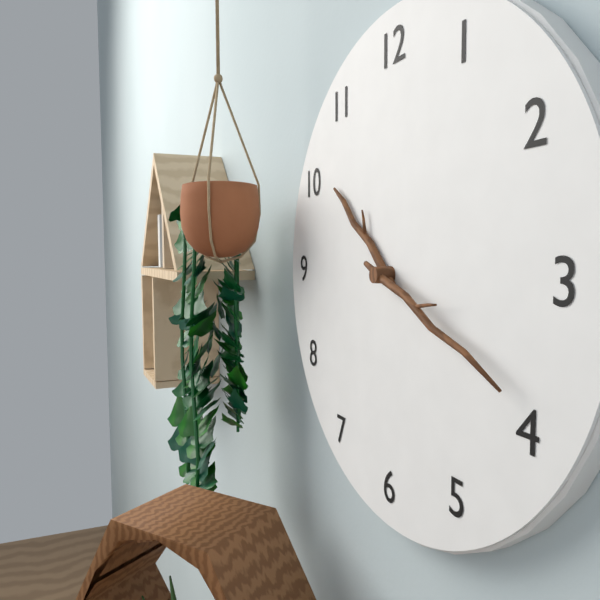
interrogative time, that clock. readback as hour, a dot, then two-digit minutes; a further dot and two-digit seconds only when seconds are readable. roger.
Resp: 10.19
